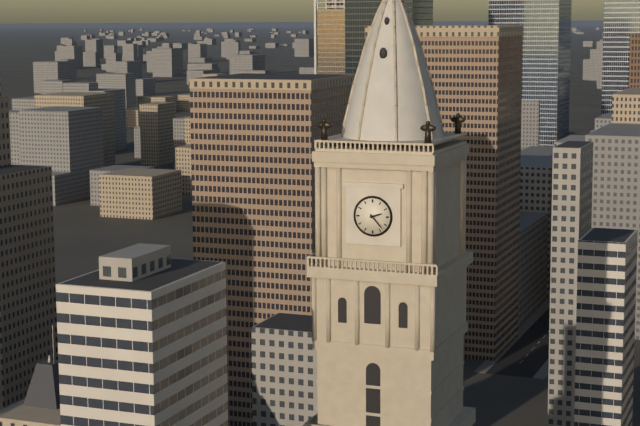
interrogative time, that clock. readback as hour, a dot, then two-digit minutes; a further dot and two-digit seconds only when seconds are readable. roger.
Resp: 2.23
